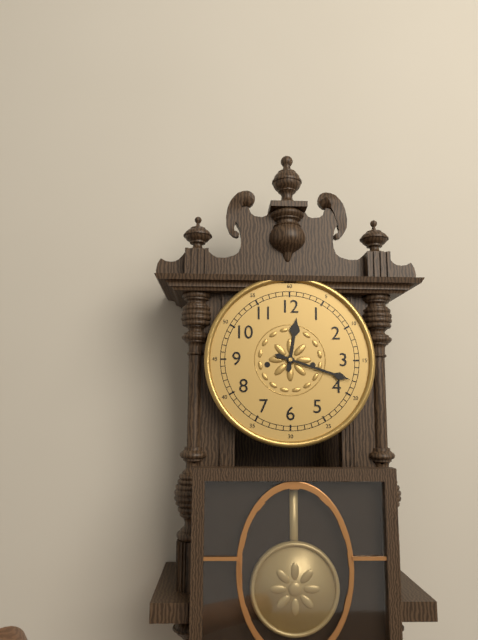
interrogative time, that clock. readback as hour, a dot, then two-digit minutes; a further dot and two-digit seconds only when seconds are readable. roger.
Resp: 12.18
